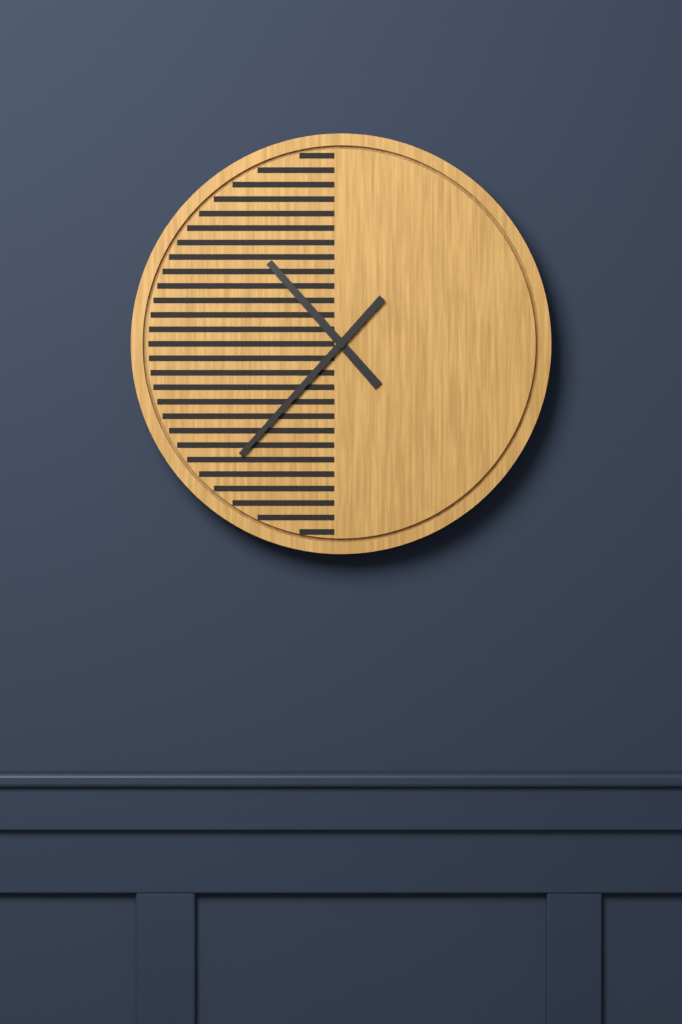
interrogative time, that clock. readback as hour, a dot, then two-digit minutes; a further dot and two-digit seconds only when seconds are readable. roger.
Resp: 10.37
